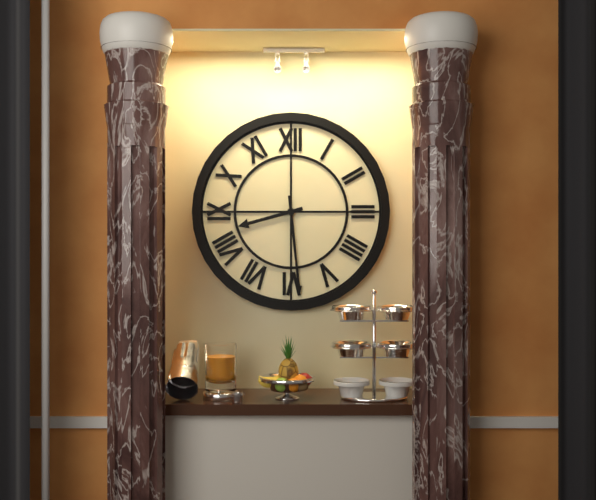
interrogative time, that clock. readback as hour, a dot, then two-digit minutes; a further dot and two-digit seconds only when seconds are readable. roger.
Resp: 8.29
